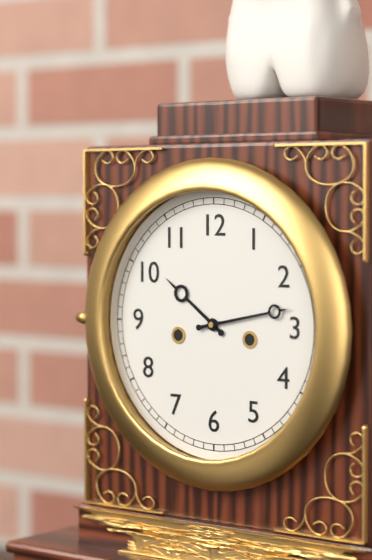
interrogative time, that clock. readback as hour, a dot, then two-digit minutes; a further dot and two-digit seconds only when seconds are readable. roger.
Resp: 10.13
